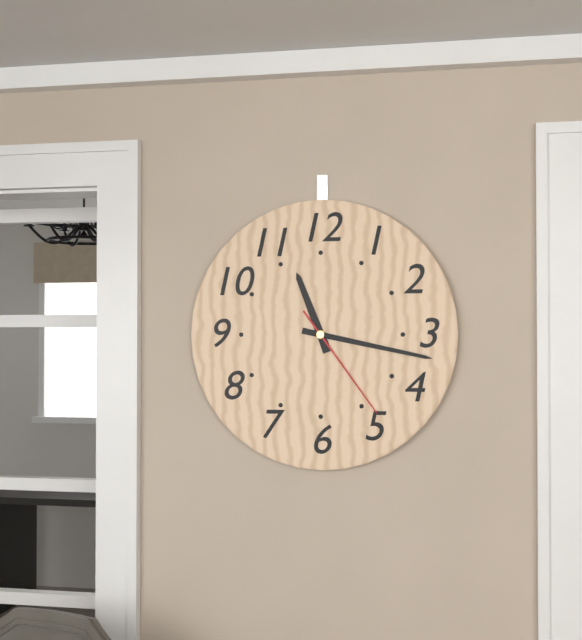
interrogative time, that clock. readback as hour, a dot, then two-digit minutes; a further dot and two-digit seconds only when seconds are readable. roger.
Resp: 11.17.24
